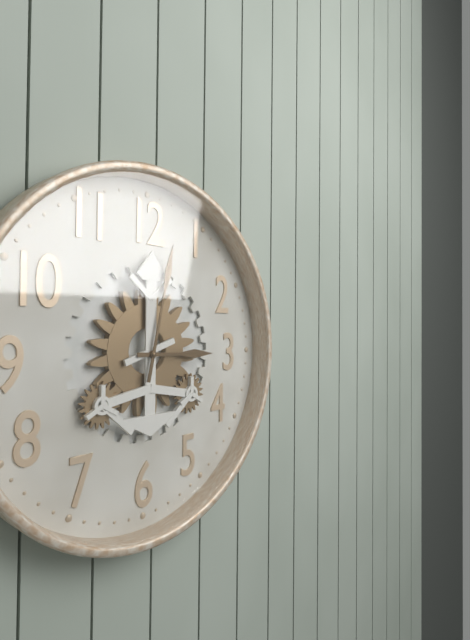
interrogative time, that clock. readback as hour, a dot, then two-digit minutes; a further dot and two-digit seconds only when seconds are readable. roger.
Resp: 3.02
